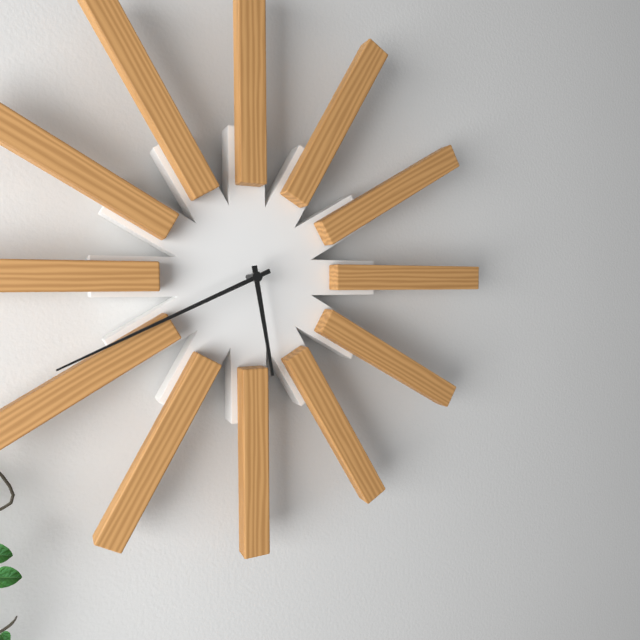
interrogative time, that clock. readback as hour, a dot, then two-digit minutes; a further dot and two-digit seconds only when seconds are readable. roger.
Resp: 5.41
